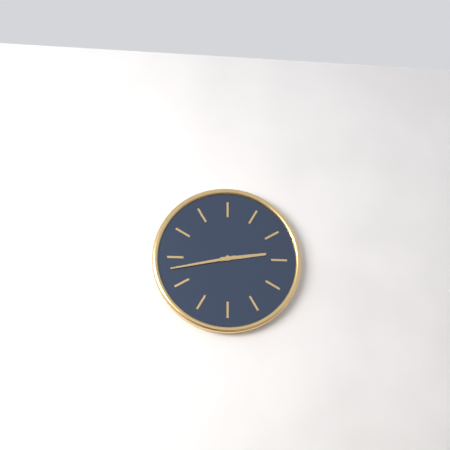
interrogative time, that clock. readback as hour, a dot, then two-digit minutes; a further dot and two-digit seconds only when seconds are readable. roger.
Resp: 2.43
